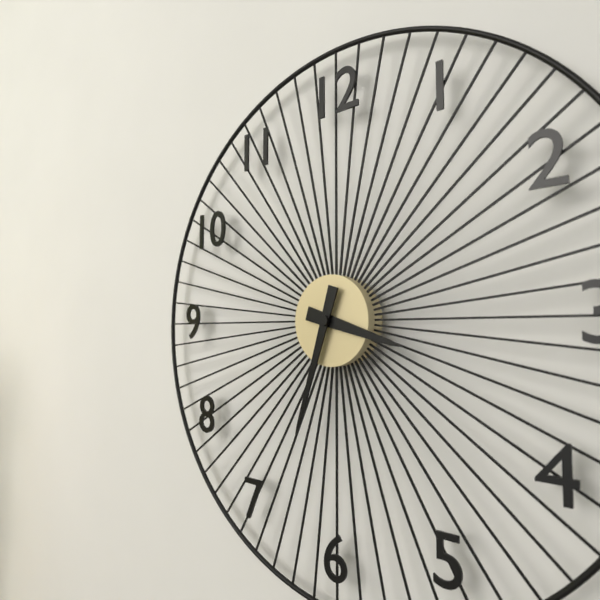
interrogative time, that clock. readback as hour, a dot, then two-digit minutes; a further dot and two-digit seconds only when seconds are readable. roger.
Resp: 3.33
